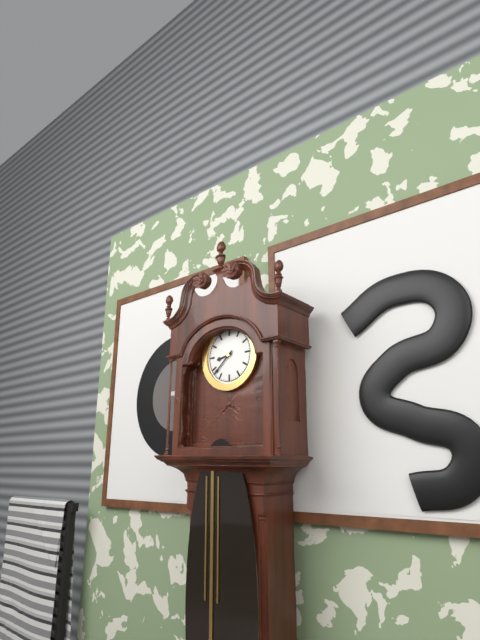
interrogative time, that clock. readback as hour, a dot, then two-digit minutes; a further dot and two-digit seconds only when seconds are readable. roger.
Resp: 8.38
